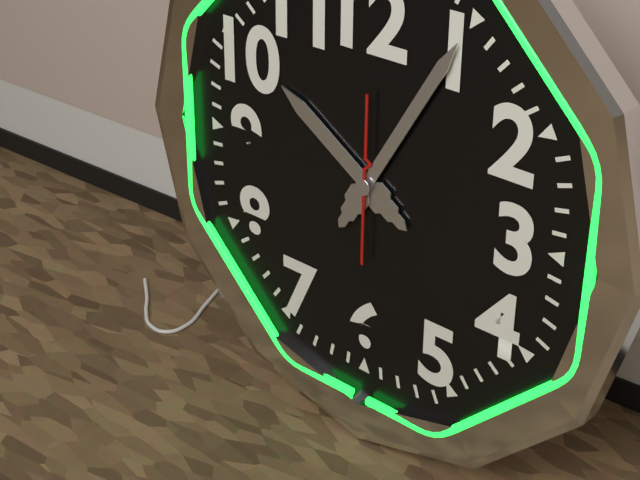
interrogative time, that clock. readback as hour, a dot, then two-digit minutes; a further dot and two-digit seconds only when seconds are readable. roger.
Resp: 10.05.00
